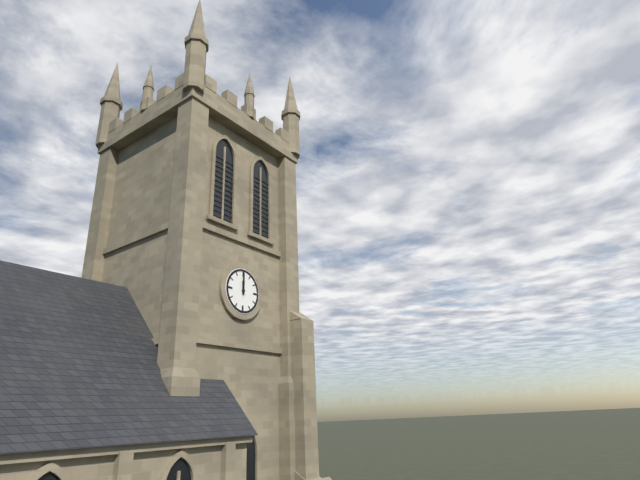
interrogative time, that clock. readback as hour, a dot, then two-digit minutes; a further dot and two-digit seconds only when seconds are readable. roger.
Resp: 12.00
